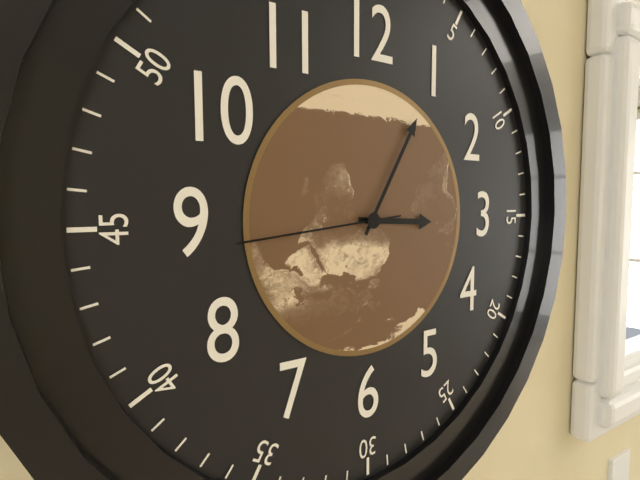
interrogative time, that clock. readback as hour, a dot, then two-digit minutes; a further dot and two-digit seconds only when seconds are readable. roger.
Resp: 3.05.44
